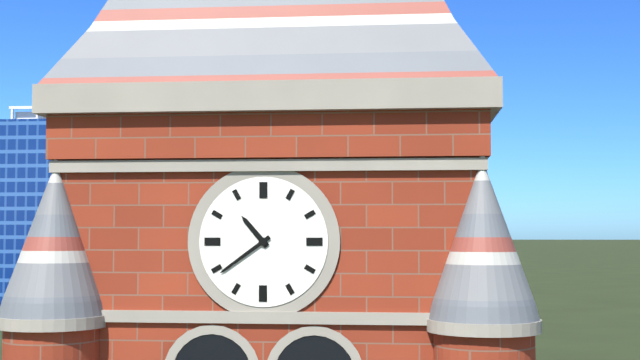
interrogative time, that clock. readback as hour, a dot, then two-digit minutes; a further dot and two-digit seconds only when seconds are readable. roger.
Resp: 10.39
